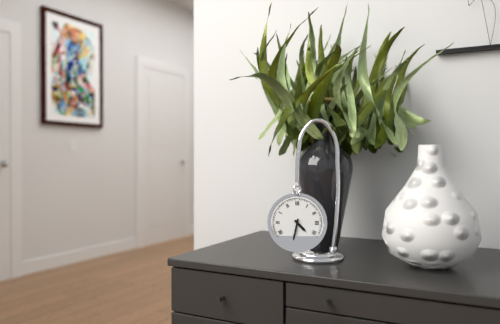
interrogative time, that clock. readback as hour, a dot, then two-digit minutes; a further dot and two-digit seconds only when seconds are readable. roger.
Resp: 4.32
